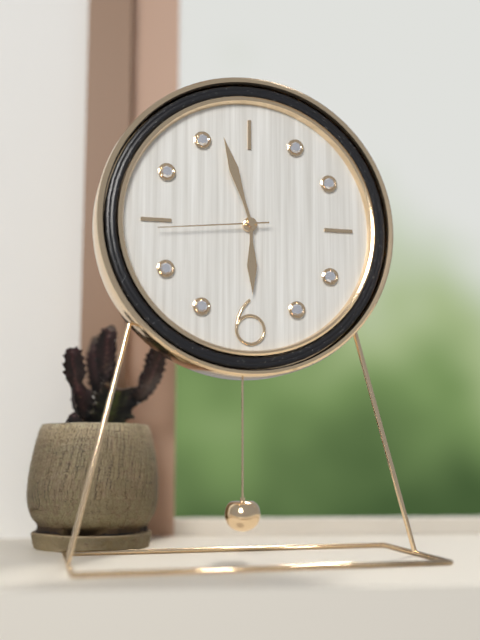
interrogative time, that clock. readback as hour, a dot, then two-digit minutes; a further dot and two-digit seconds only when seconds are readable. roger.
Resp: 5.57.44
